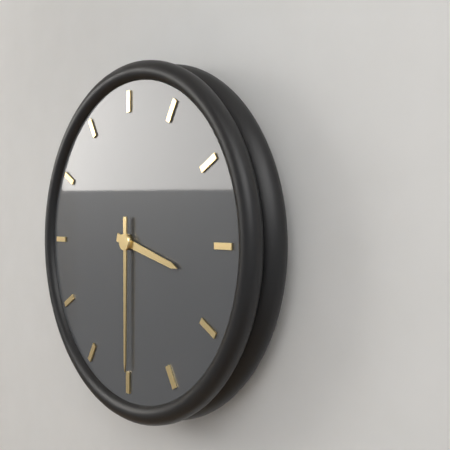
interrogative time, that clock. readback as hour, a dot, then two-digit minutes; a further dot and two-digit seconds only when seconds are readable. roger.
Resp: 3.30
